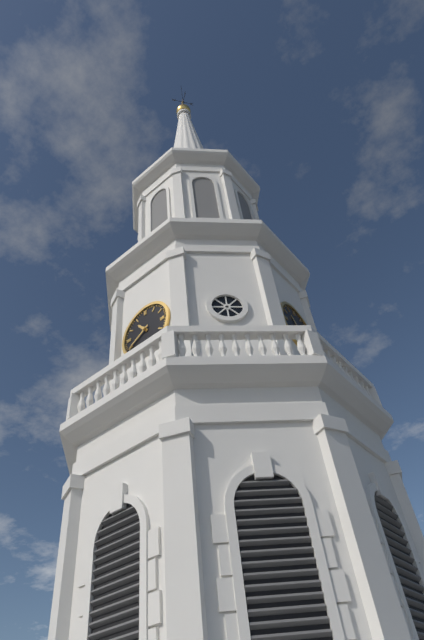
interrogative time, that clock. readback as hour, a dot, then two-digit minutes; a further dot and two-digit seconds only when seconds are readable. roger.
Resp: 10.40
